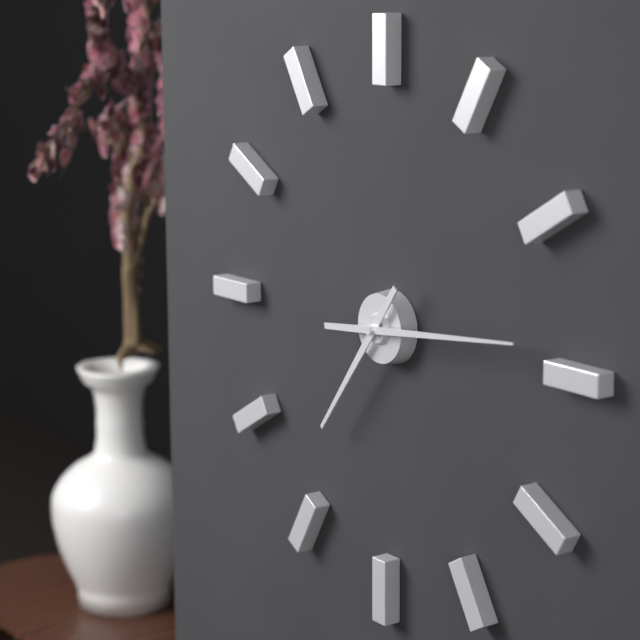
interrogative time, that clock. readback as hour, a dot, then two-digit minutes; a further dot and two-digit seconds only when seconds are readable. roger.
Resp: 7.14
